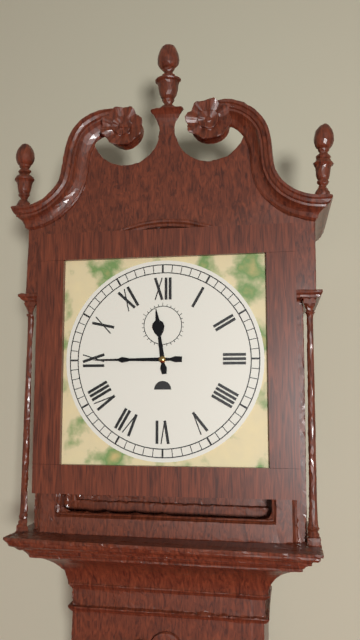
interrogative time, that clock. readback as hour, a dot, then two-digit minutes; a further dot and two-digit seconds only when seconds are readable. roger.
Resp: 11.45
